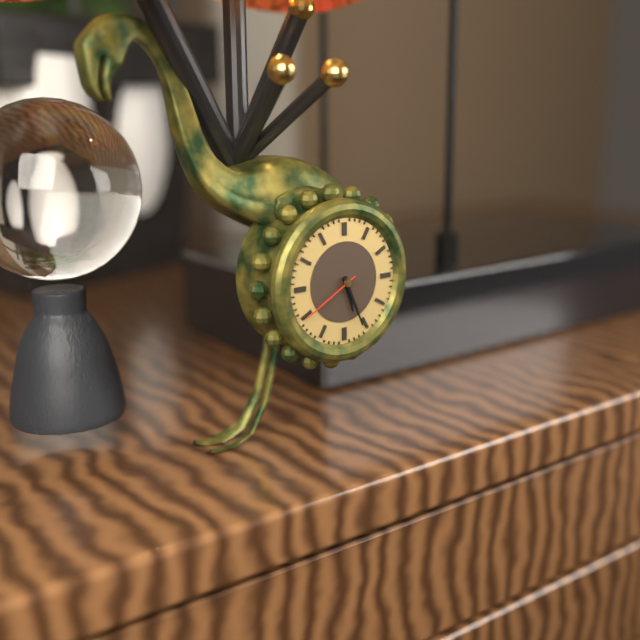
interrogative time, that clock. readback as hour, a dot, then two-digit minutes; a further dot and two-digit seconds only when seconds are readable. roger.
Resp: 5.26.40
